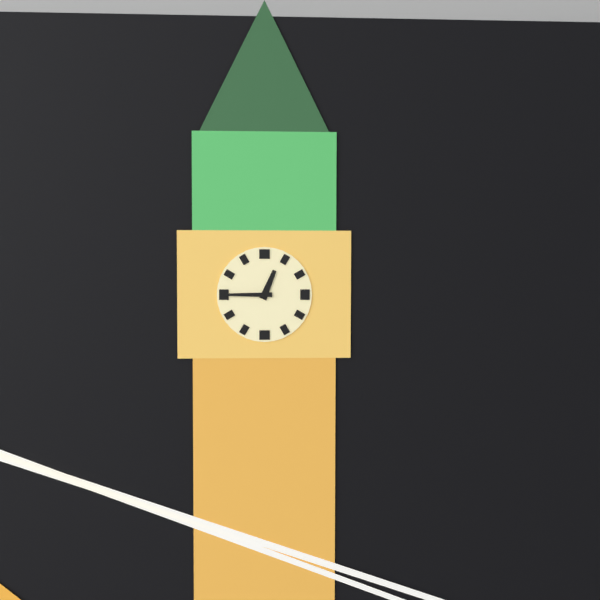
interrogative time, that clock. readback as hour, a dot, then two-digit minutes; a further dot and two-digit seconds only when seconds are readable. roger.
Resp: 12.45
